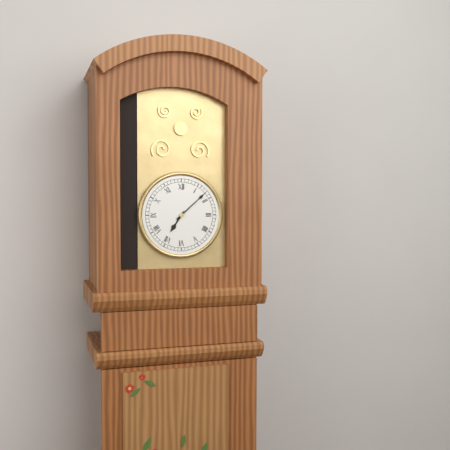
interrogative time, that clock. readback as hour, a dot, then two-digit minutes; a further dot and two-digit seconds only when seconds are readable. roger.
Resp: 7.08
